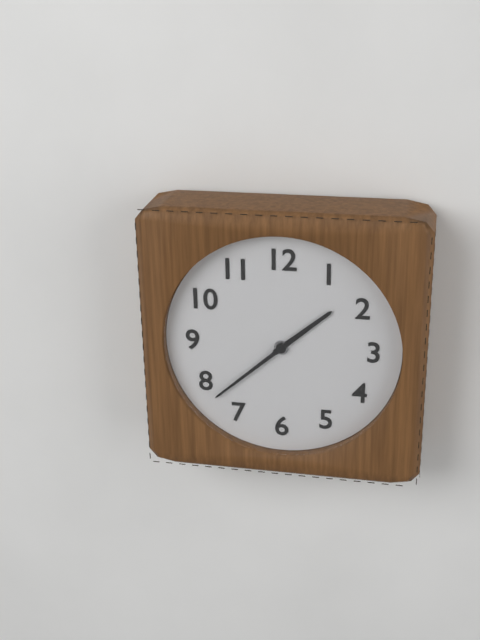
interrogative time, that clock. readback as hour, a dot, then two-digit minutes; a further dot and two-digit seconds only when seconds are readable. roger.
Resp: 1.38
